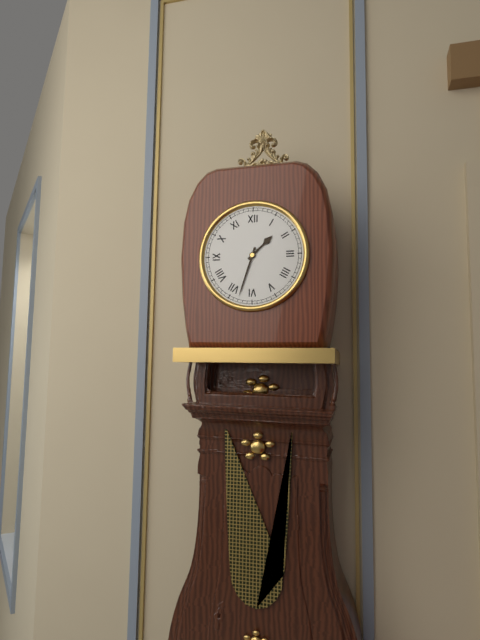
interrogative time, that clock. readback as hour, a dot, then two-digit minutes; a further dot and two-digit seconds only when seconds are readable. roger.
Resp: 1.33
